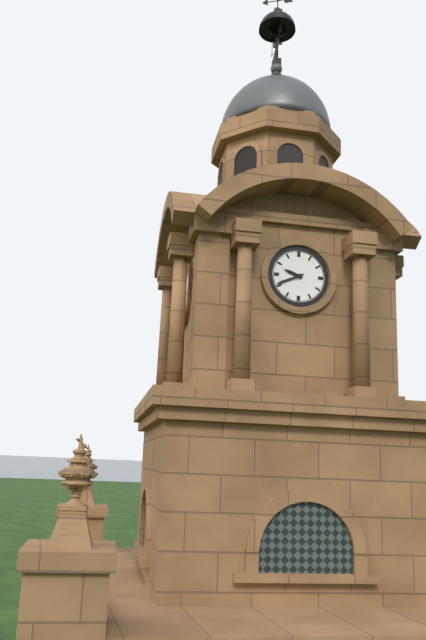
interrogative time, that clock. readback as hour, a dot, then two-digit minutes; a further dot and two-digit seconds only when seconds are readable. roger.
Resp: 9.41
